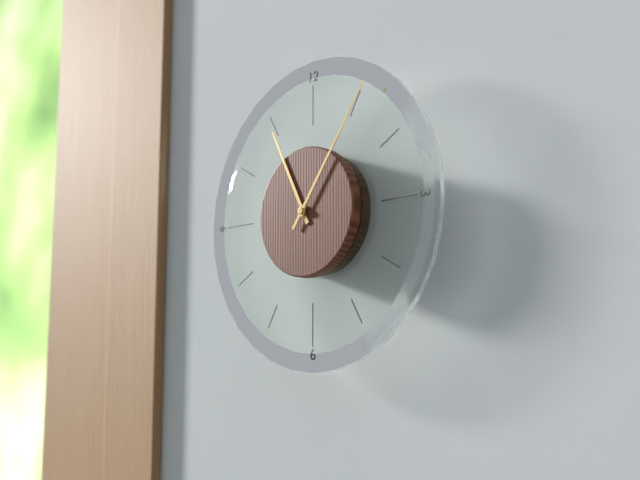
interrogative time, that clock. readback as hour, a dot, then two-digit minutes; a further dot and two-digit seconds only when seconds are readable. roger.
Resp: 11.06
